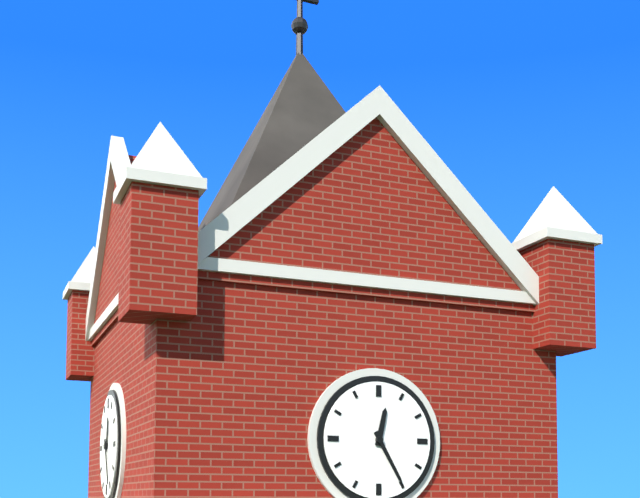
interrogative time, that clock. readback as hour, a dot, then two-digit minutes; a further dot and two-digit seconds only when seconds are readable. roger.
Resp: 12.25
